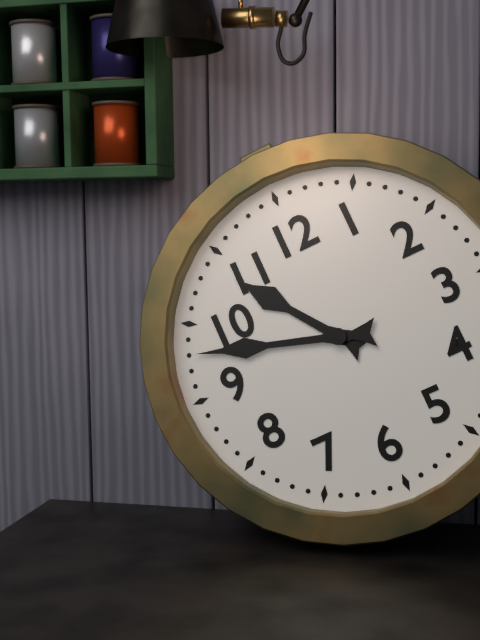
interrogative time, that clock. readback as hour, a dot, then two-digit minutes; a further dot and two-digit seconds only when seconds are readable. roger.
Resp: 10.48
